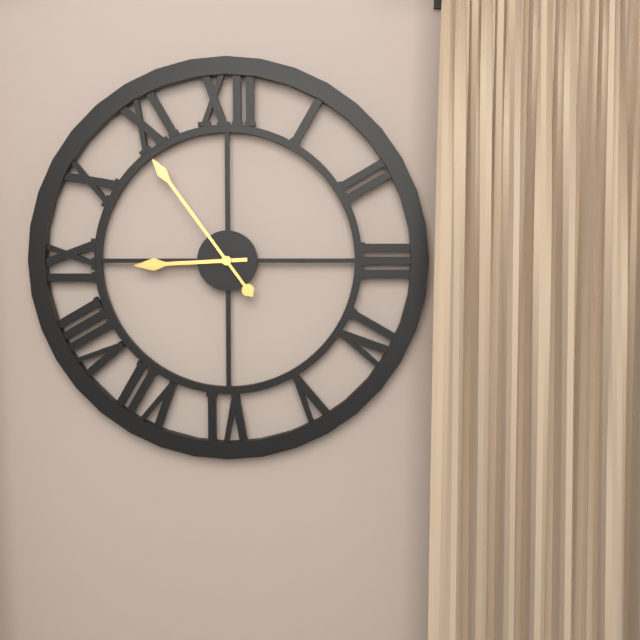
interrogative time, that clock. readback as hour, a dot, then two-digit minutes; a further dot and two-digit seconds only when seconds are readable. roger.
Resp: 8.54
